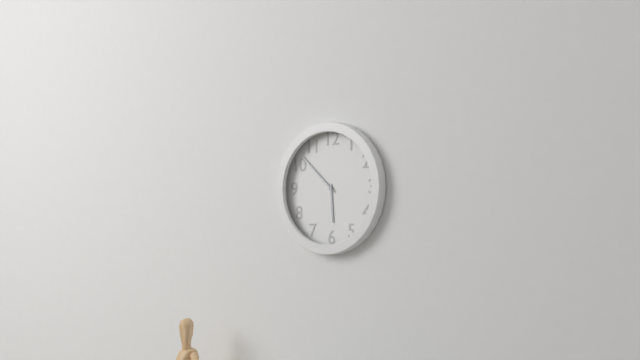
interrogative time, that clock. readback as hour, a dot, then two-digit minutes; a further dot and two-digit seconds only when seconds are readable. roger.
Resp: 5.52
